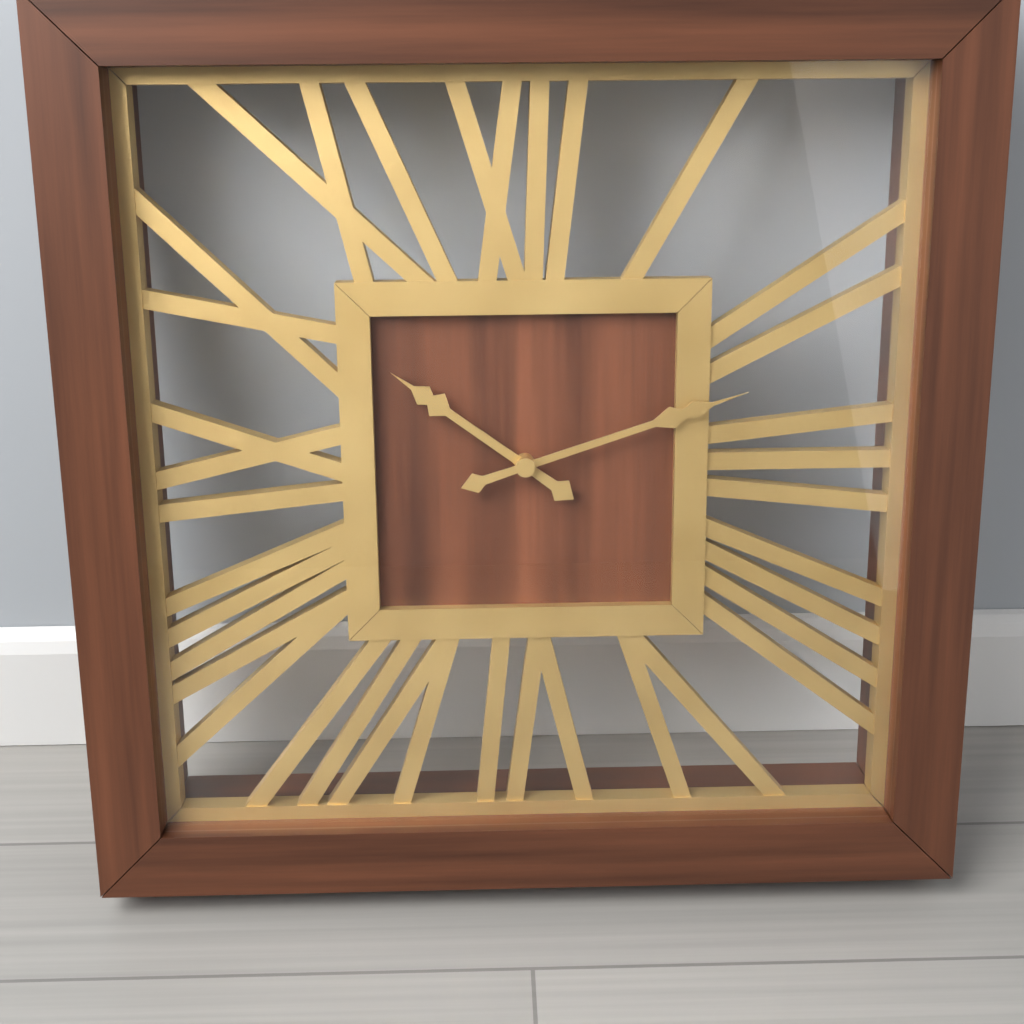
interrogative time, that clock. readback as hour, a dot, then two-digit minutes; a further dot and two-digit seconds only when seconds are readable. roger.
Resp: 10.12
